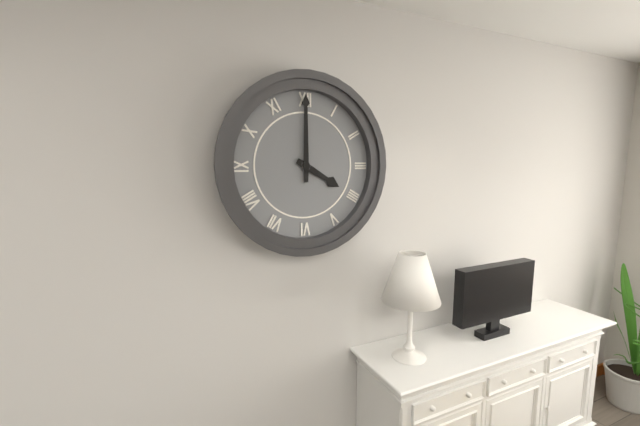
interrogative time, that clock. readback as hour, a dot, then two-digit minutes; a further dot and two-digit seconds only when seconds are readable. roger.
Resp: 4.00
